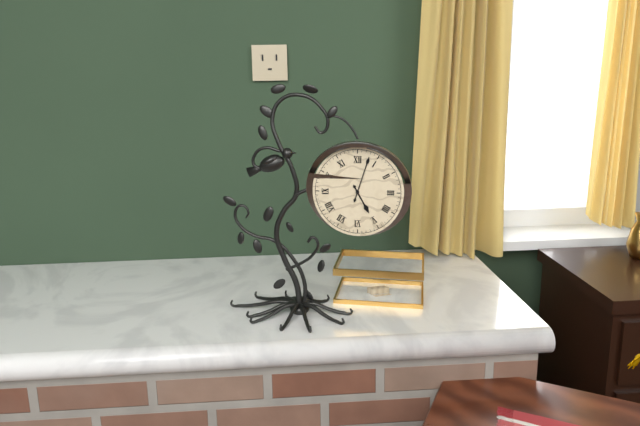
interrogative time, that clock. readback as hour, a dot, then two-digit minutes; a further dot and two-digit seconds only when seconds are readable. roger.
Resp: 5.03
